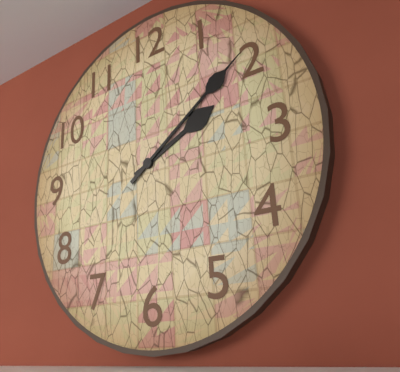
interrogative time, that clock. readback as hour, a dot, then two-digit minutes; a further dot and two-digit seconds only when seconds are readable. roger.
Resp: 2.09
